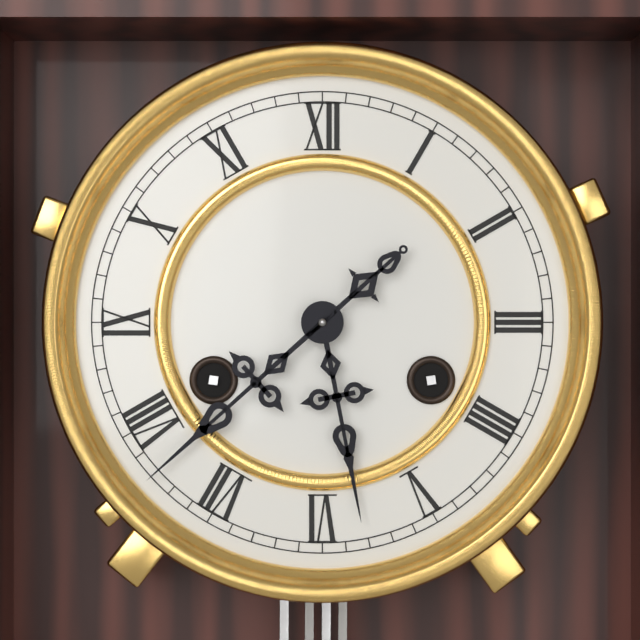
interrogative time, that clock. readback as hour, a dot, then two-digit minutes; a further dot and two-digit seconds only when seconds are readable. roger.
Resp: 5.38
